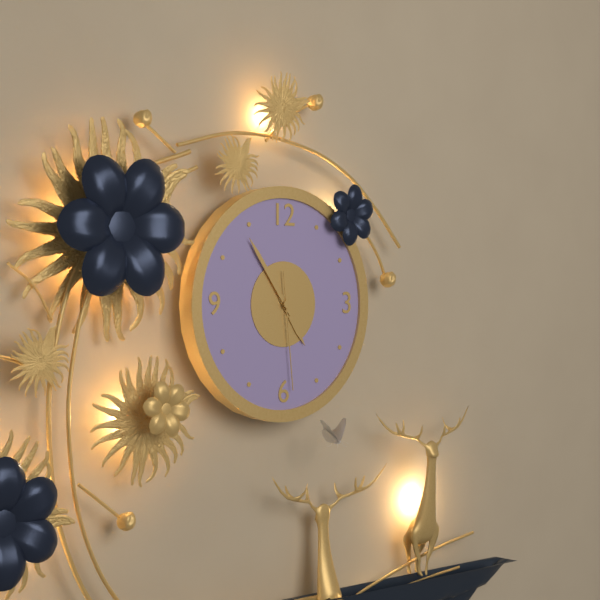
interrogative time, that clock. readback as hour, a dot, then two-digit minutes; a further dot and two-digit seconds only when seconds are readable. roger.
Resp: 4.54.29
